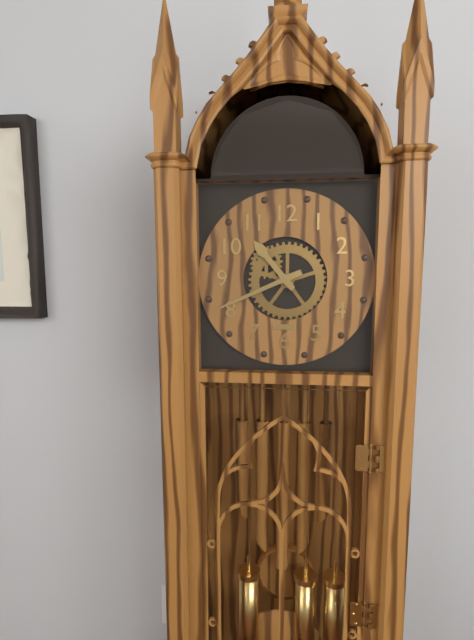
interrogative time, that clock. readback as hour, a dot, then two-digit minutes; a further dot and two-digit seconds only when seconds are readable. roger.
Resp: 10.41
